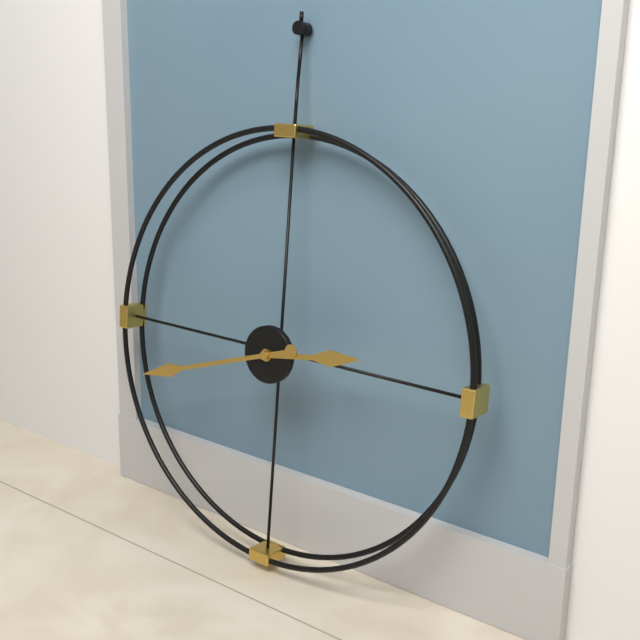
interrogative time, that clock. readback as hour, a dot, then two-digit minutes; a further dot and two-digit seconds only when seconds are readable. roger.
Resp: 2.42
